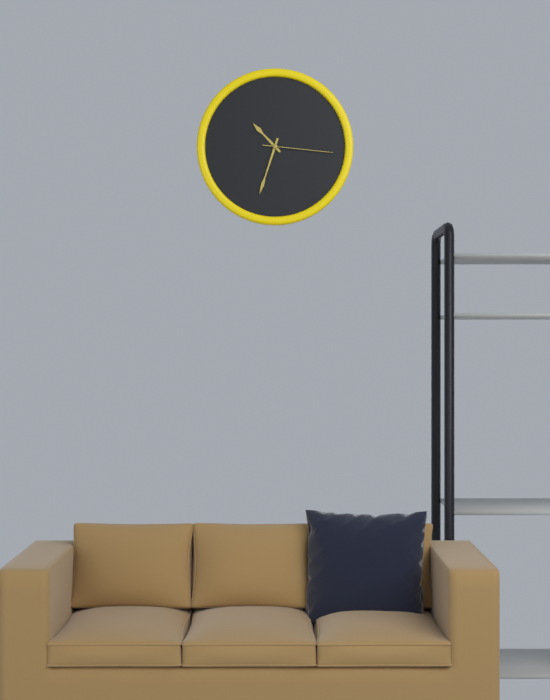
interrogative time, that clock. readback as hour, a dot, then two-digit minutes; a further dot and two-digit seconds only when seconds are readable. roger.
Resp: 10.33.16
